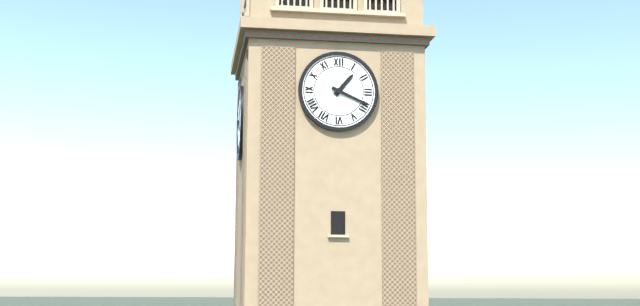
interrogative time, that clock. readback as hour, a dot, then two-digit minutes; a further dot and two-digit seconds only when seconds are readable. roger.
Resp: 1.19
